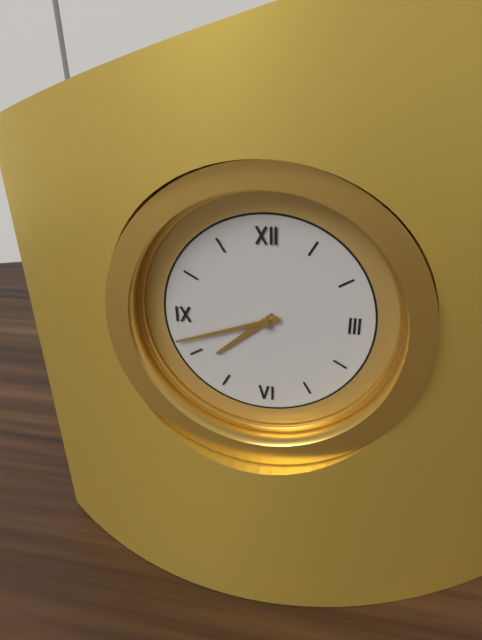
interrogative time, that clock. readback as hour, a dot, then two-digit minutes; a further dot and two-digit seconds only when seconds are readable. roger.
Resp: 7.42
